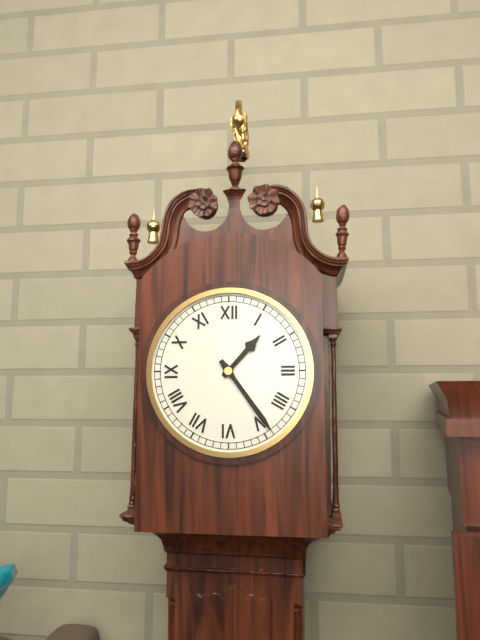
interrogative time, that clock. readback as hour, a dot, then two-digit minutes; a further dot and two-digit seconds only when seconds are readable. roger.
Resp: 1.24
